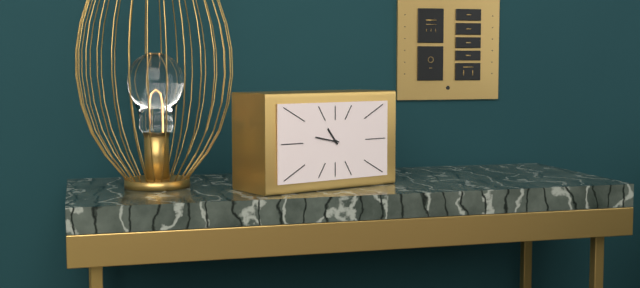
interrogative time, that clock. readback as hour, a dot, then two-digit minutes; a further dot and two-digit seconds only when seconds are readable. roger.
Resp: 10.47
